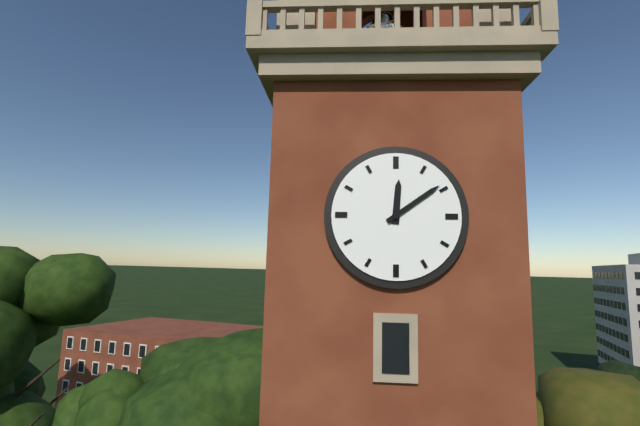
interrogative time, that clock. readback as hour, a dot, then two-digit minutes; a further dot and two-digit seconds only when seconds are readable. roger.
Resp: 12.09
